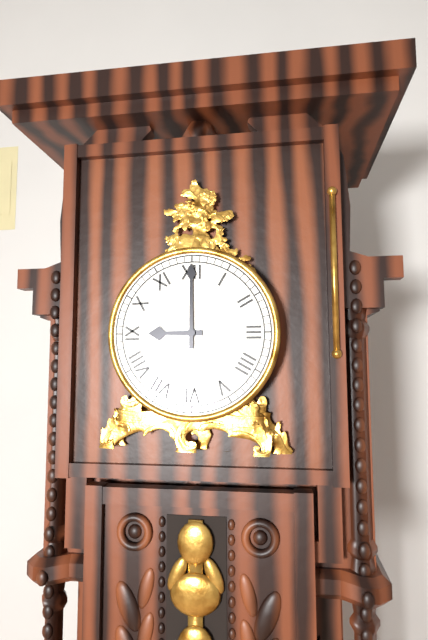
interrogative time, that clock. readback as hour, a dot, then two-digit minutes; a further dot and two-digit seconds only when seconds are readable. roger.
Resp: 9.00
